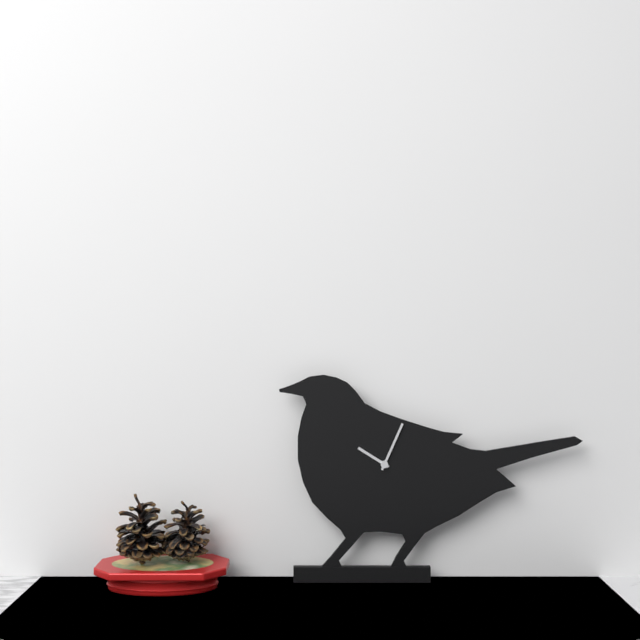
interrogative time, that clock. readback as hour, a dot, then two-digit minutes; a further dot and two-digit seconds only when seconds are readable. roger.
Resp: 10.04
